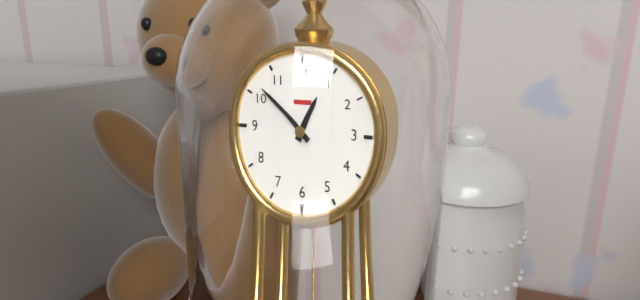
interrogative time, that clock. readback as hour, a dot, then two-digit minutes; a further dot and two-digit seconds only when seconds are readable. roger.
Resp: 12.52
